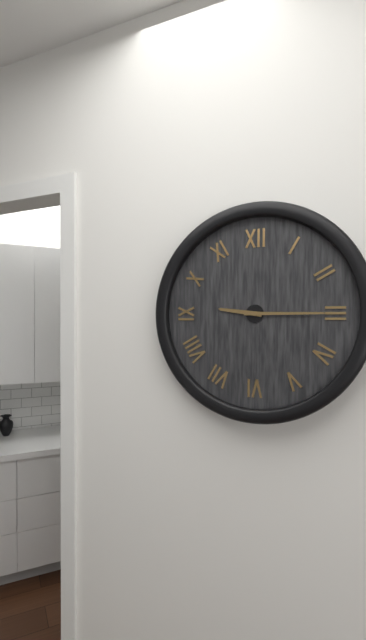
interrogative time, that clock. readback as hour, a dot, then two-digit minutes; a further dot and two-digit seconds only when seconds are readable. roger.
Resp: 9.15
